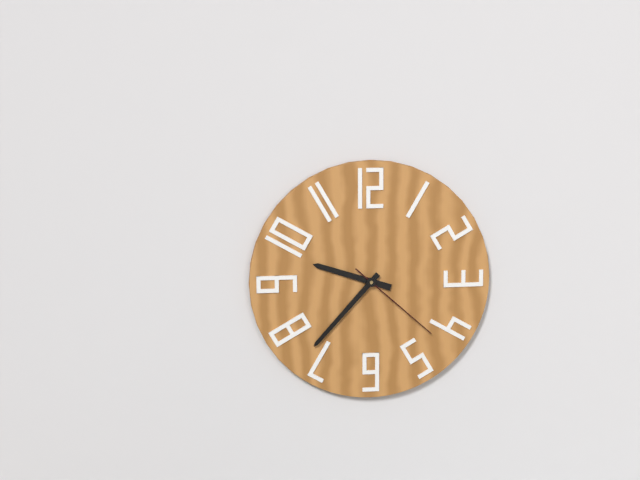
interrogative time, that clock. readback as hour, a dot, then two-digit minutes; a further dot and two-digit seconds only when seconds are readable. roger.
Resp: 9.37.22
